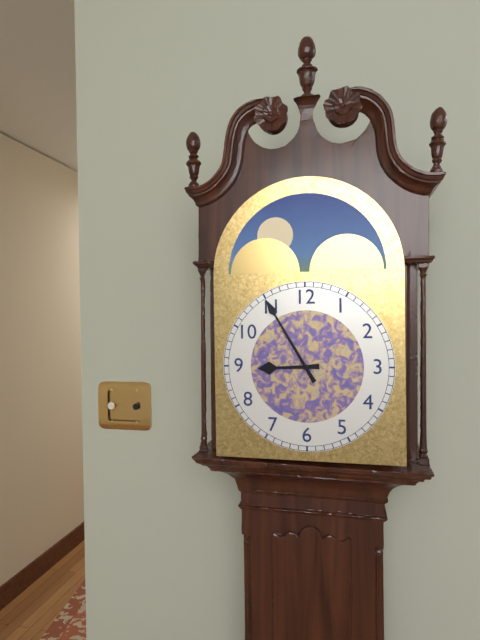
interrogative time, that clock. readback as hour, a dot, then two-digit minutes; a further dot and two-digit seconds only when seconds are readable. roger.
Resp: 8.55
